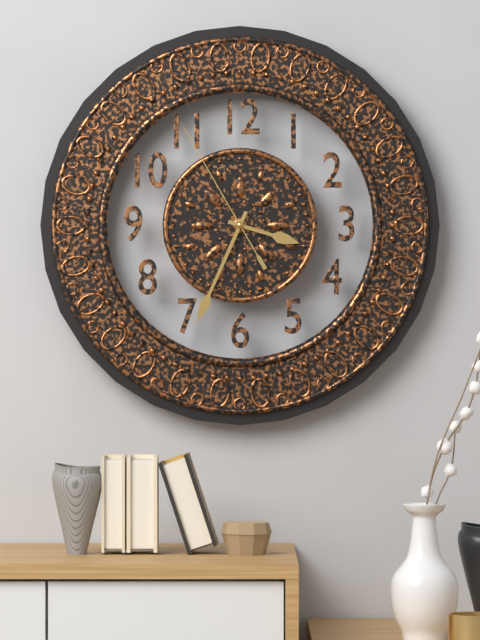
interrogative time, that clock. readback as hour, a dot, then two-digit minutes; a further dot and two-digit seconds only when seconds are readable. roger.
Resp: 3.34.55
